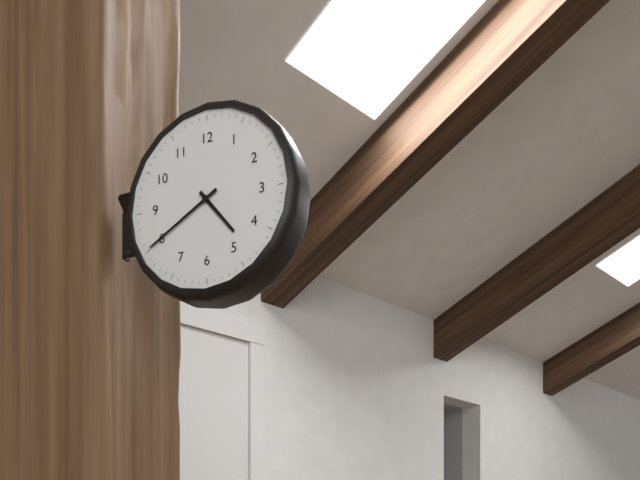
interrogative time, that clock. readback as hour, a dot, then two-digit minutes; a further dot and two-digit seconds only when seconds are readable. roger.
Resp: 4.40
